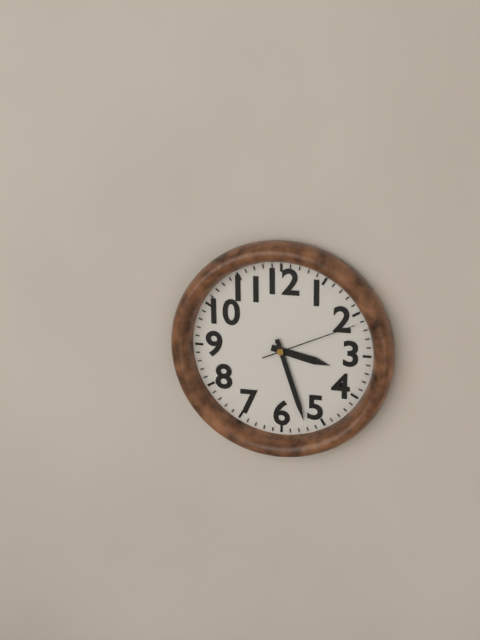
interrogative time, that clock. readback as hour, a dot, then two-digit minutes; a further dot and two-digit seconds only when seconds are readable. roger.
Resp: 3.27.11
